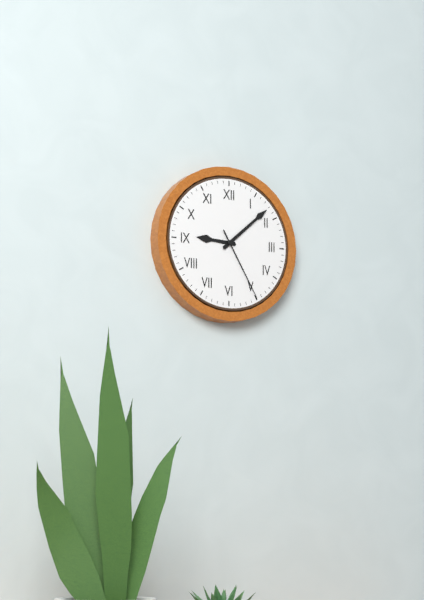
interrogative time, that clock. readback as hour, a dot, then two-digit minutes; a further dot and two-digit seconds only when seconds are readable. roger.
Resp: 9.08.25
